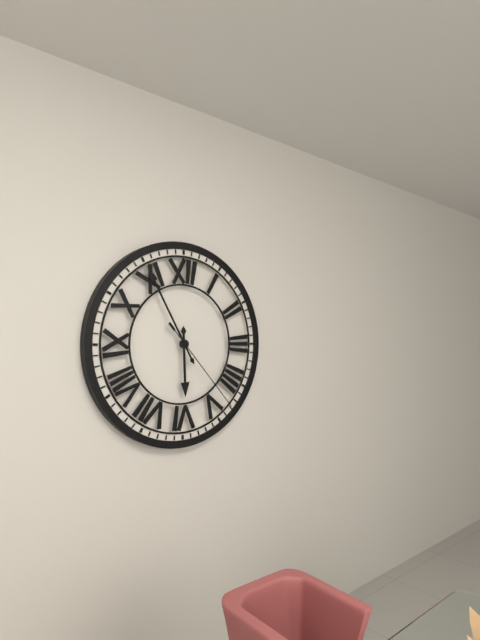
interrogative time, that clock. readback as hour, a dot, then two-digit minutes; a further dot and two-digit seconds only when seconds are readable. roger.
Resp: 5.55.23
